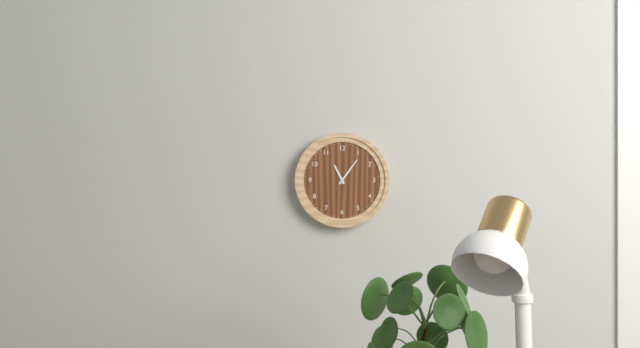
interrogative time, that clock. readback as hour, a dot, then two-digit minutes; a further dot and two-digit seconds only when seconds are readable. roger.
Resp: 11.06
